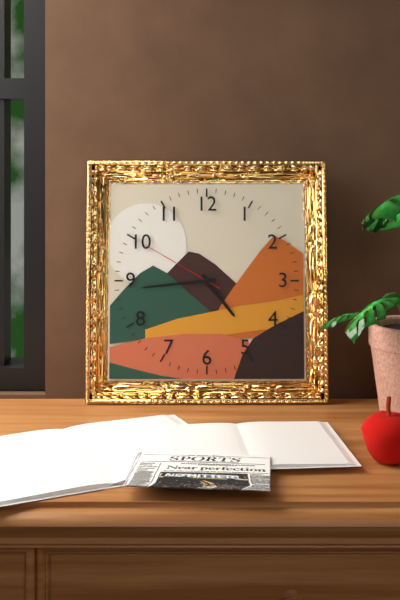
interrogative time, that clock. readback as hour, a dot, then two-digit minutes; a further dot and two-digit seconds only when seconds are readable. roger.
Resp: 4.44.50
